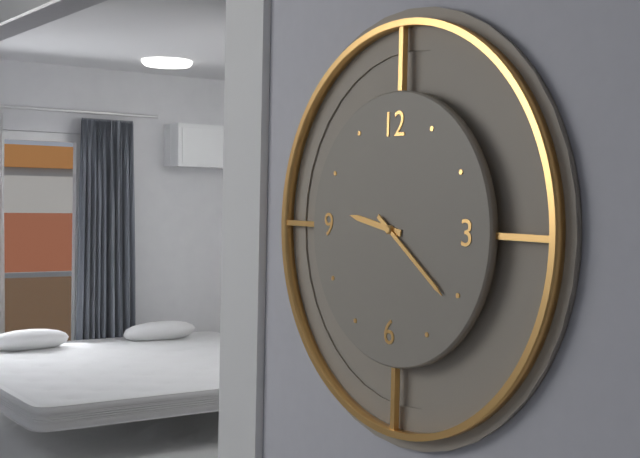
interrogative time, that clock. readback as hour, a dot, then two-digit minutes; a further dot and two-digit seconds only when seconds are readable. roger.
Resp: 9.21
